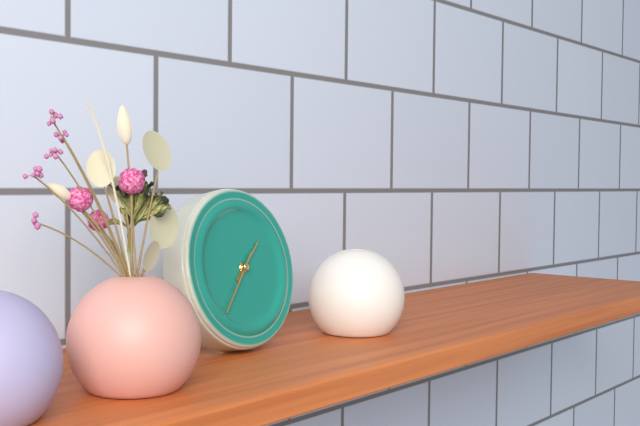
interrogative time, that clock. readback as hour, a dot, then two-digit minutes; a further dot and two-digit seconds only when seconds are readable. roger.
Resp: 1.37
